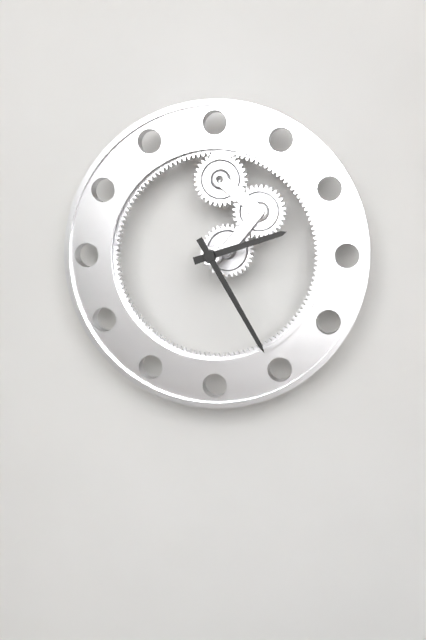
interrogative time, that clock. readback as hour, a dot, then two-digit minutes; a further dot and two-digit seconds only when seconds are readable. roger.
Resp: 2.25
